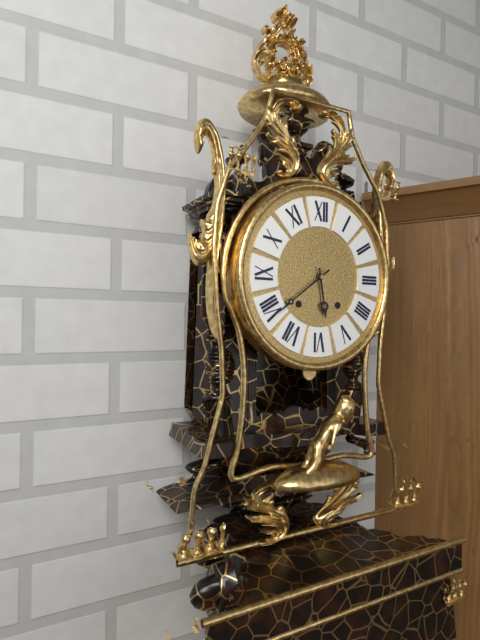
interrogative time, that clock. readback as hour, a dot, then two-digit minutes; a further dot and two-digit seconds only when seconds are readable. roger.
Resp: 5.39
